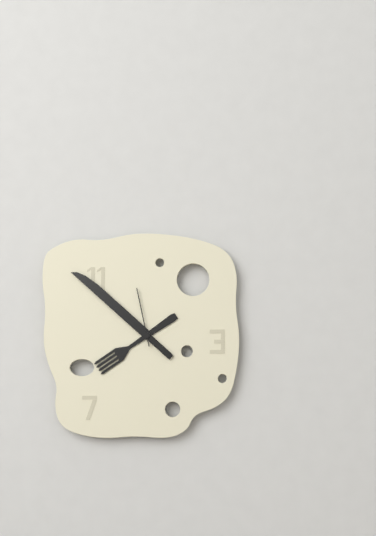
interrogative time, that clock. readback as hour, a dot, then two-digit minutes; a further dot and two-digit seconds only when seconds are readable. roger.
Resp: 7.52.58
